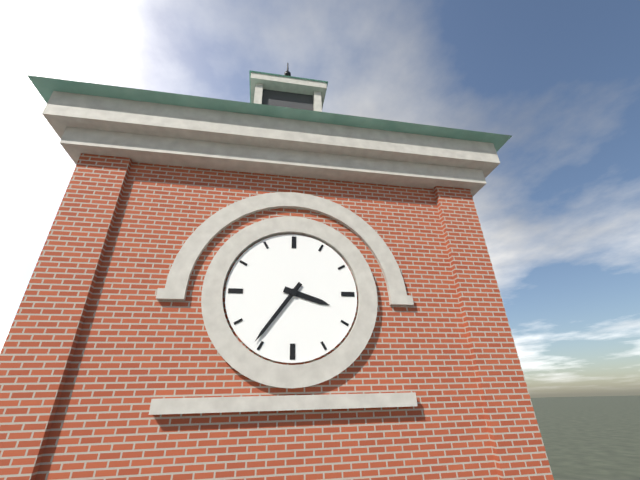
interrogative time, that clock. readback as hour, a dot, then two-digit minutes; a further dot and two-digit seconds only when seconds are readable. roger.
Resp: 3.36
